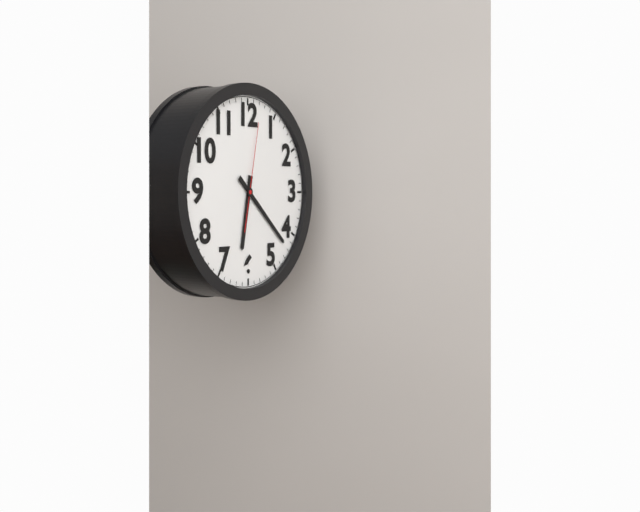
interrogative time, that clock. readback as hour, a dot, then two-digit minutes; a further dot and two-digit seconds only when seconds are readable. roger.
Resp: 6.22.02
